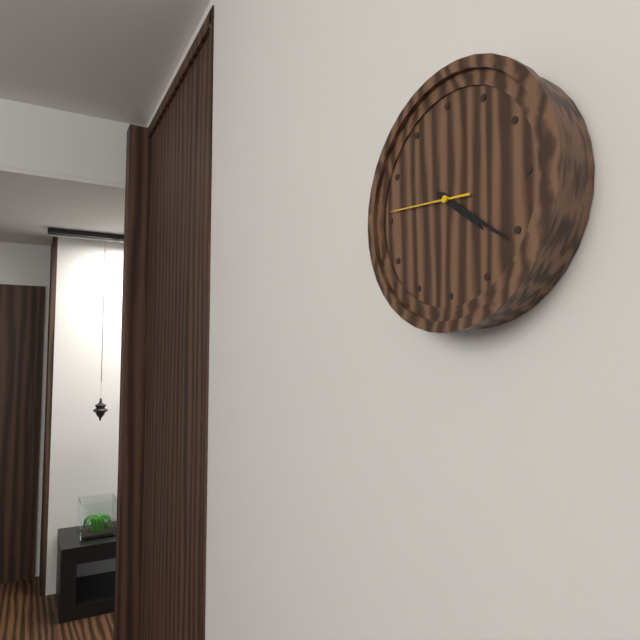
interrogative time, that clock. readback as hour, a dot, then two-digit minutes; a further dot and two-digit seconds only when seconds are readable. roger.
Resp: 4.21.46
